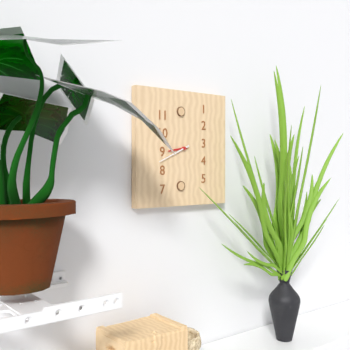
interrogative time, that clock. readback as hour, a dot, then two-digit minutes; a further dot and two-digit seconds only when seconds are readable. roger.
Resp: 8.41
